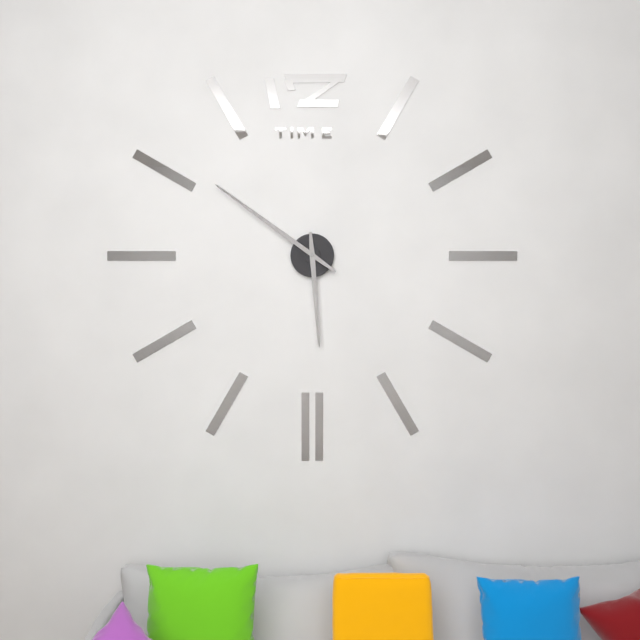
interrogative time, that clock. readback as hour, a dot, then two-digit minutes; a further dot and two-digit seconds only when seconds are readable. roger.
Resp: 5.51
